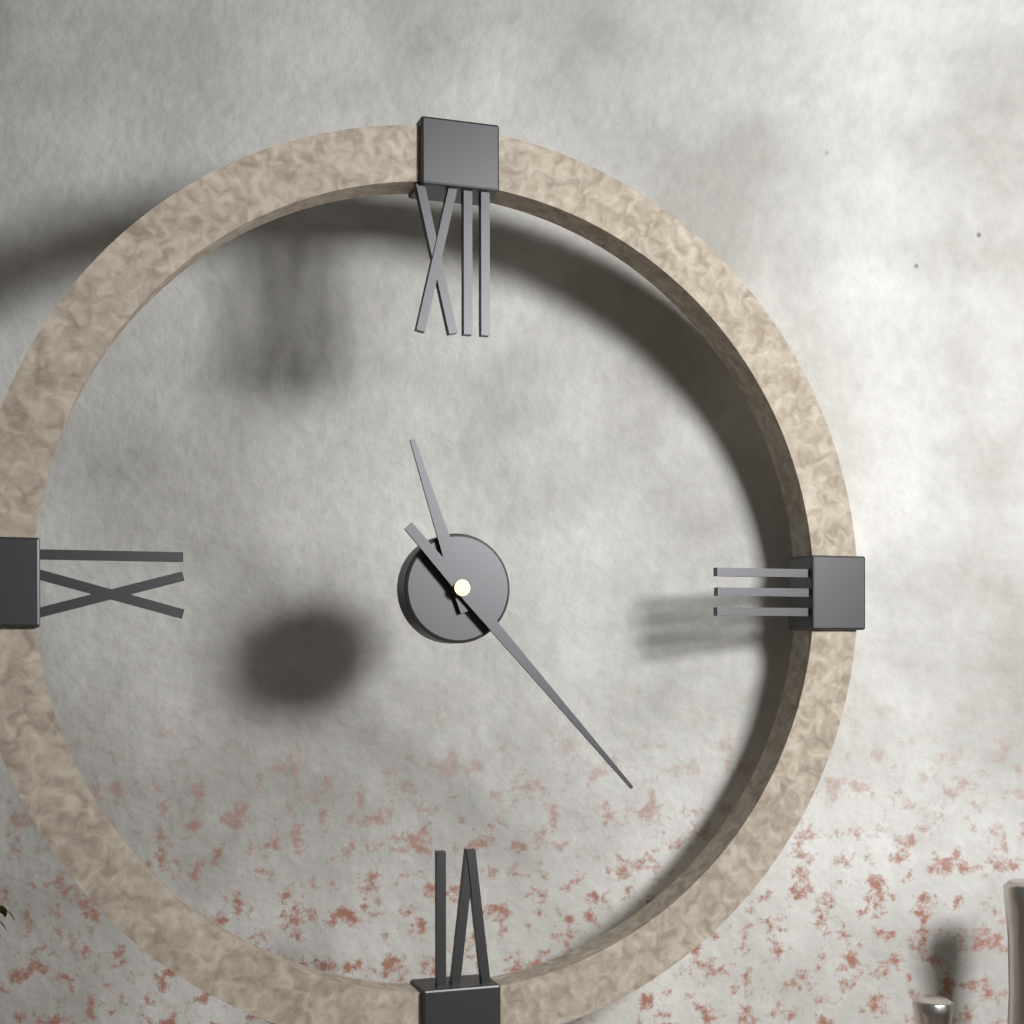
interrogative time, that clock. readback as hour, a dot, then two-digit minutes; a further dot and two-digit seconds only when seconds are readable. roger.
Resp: 11.23
